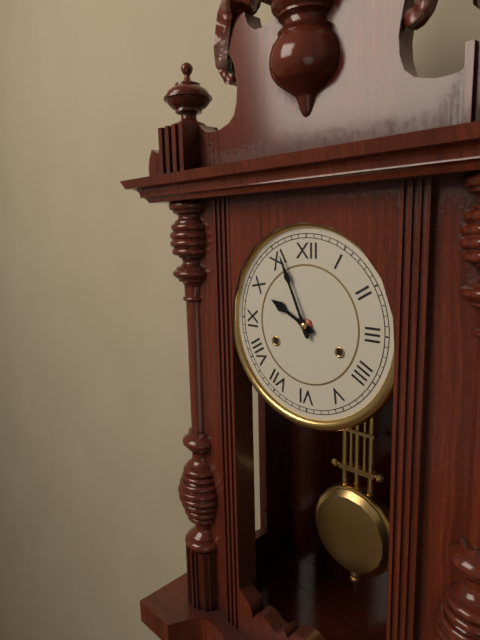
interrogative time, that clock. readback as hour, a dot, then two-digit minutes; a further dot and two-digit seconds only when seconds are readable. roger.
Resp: 9.56
